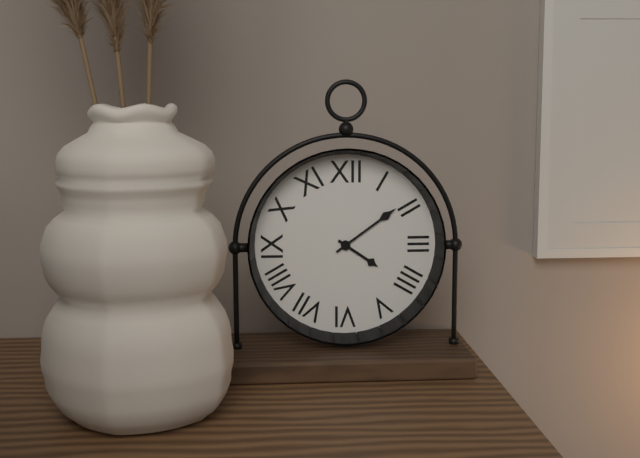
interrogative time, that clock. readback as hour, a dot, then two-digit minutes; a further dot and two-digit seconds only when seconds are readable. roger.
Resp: 4.09
